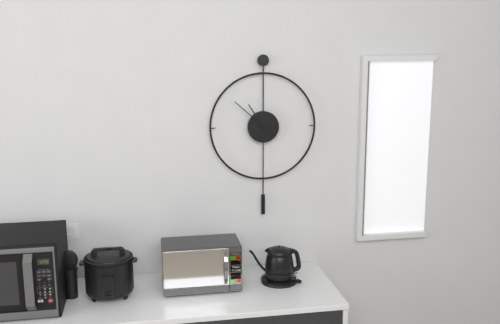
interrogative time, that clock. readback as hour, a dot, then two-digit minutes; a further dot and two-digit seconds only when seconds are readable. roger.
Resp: 10.52
